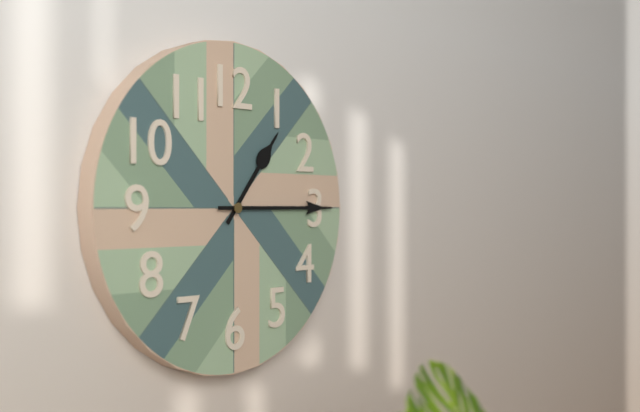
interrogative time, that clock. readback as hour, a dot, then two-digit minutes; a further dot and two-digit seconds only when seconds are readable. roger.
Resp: 1.15
